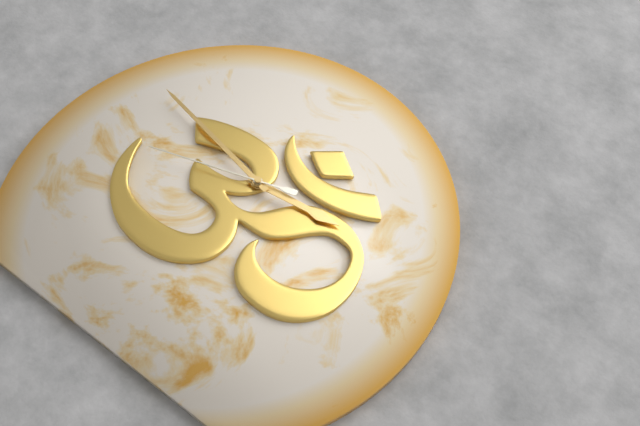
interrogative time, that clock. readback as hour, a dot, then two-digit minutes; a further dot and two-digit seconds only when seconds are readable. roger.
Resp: 2.47.42
